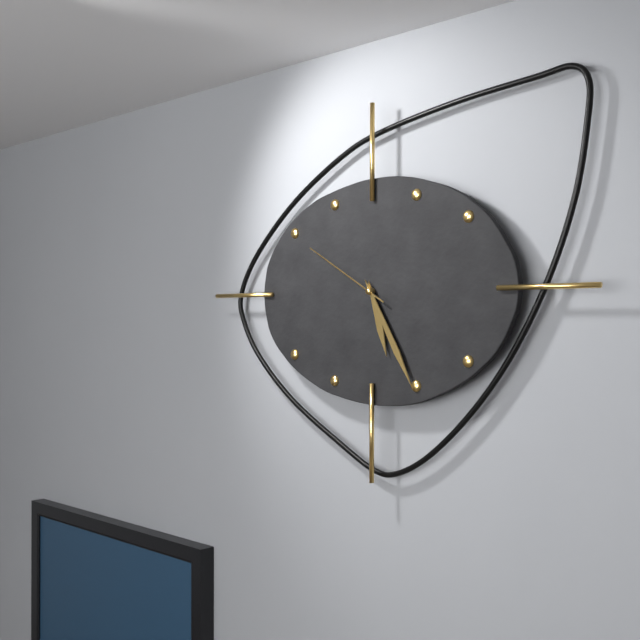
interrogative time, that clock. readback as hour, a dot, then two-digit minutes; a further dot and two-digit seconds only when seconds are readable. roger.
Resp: 5.25.50
